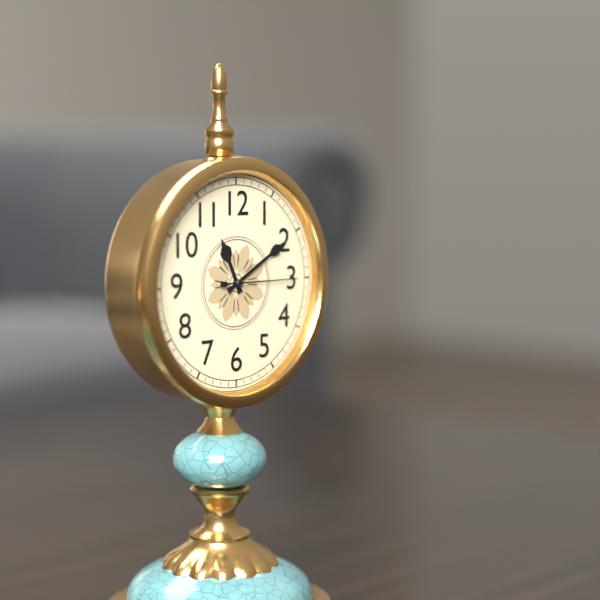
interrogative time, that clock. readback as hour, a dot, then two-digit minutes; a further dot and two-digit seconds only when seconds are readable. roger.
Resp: 11.10.15
